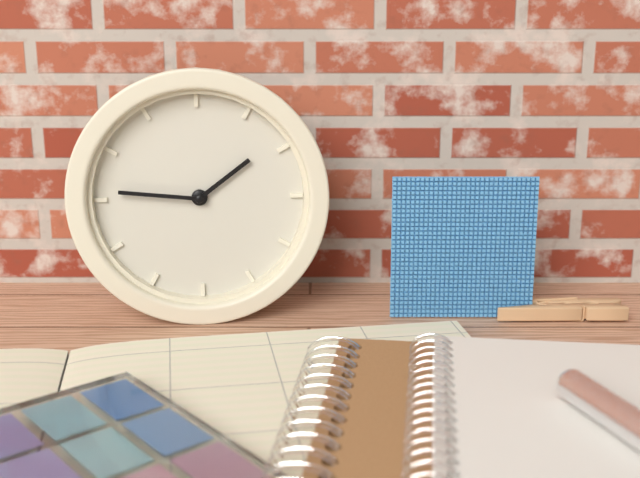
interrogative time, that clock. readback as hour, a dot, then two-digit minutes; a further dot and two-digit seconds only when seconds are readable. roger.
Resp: 1.46
